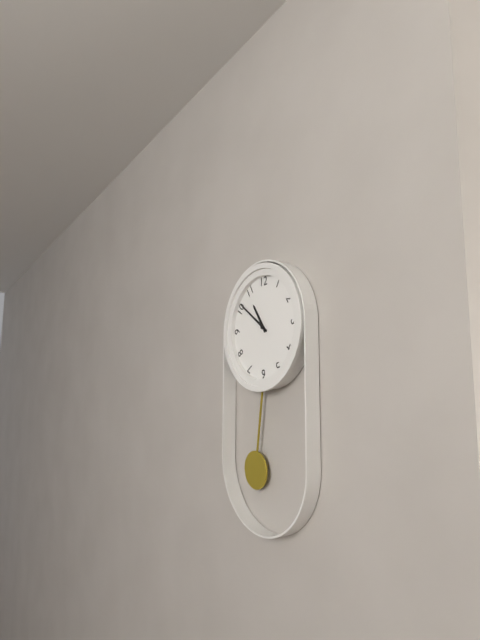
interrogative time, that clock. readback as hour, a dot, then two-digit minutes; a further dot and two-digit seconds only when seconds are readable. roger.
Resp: 10.51
